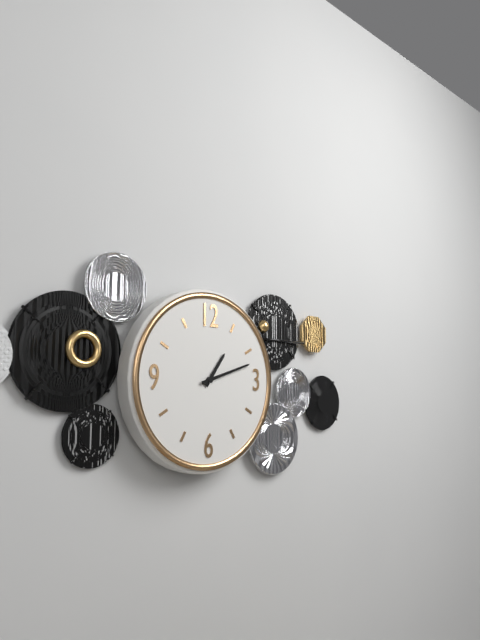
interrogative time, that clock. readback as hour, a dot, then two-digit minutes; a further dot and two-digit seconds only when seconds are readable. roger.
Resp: 1.12
